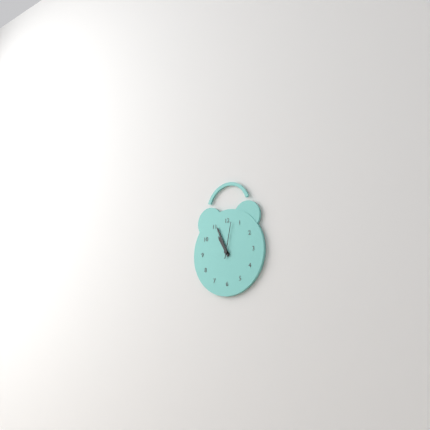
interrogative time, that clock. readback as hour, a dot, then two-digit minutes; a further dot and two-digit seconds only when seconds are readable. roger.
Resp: 10.56
